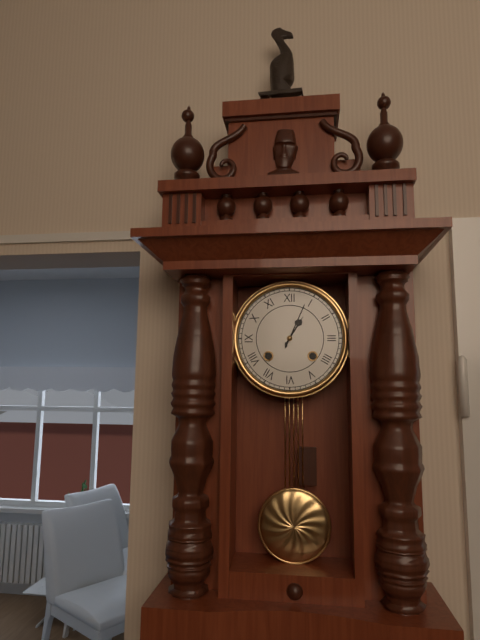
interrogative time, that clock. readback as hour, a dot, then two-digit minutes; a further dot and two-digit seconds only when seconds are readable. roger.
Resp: 1.04
